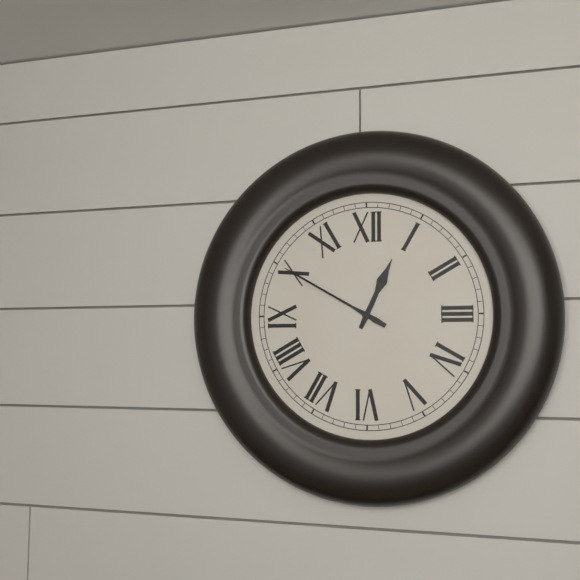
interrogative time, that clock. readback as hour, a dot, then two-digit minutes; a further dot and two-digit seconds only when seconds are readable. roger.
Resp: 12.50
